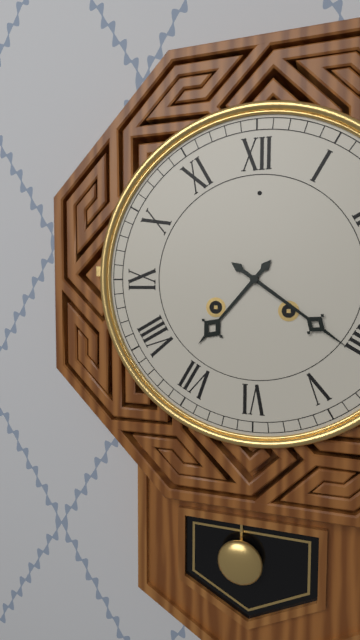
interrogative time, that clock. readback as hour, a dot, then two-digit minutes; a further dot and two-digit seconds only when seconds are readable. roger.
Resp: 7.21
